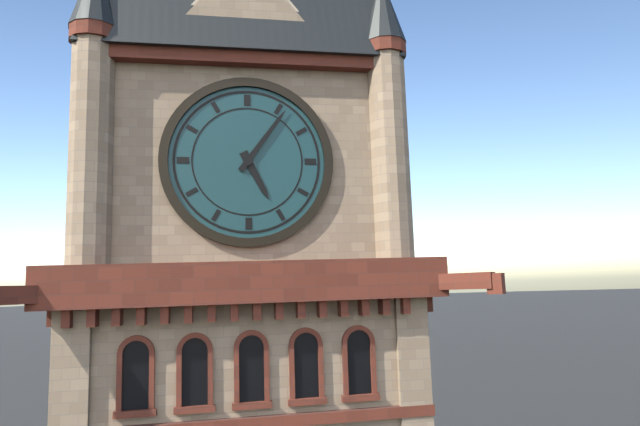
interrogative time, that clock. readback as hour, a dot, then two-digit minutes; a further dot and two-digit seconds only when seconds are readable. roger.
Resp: 5.06
